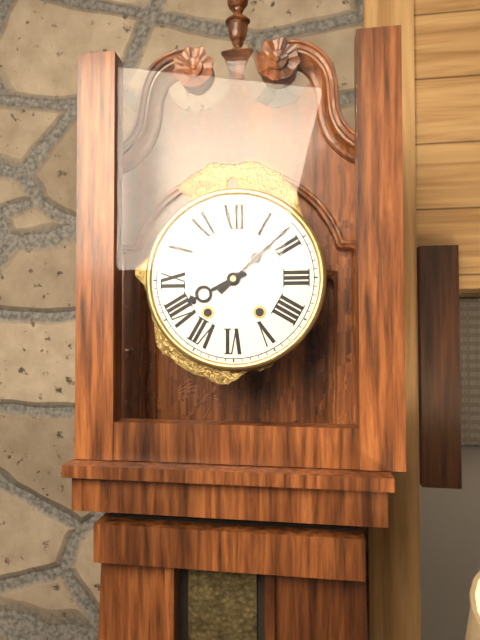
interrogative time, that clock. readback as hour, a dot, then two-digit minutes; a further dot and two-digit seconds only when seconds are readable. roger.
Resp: 8.08
